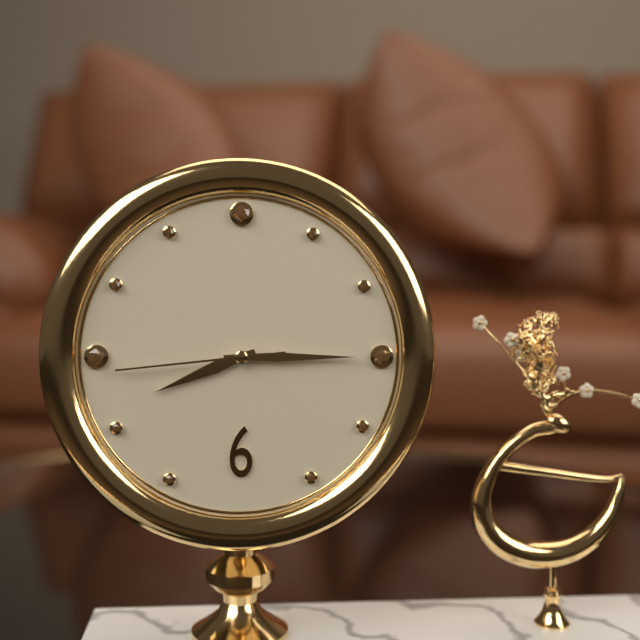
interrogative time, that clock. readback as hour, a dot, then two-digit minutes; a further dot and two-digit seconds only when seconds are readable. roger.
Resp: 8.15.44
